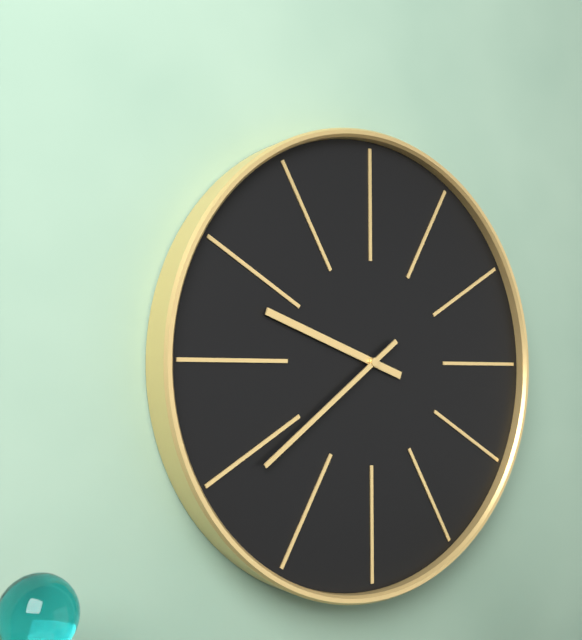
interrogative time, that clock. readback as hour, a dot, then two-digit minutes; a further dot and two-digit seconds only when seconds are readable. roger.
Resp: 9.39
